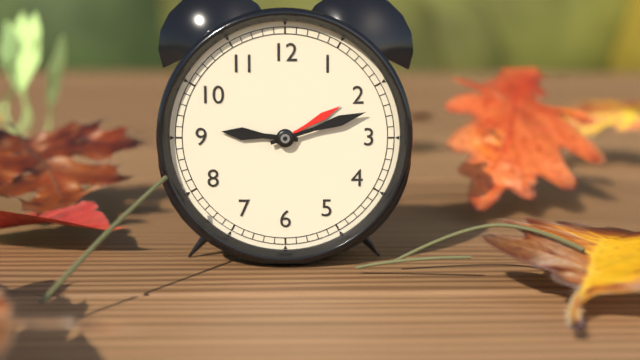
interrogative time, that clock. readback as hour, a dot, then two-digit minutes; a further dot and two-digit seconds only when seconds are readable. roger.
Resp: 9.12
